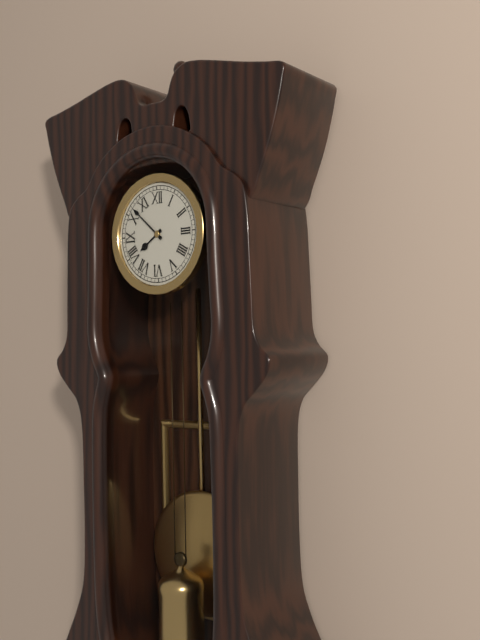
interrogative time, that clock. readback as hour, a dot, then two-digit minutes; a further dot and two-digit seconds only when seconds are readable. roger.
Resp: 7.52
